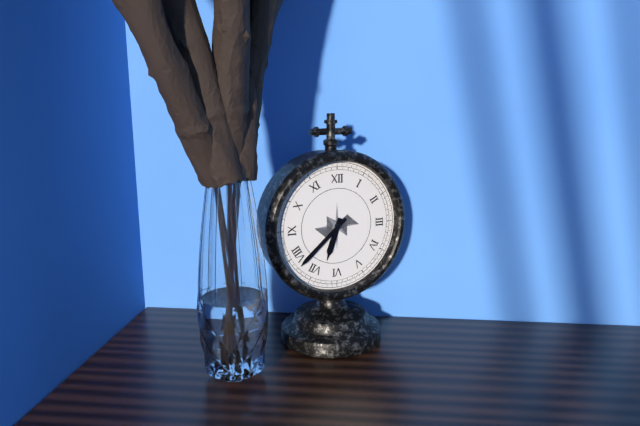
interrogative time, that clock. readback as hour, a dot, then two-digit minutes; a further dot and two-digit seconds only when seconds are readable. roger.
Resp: 6.38
